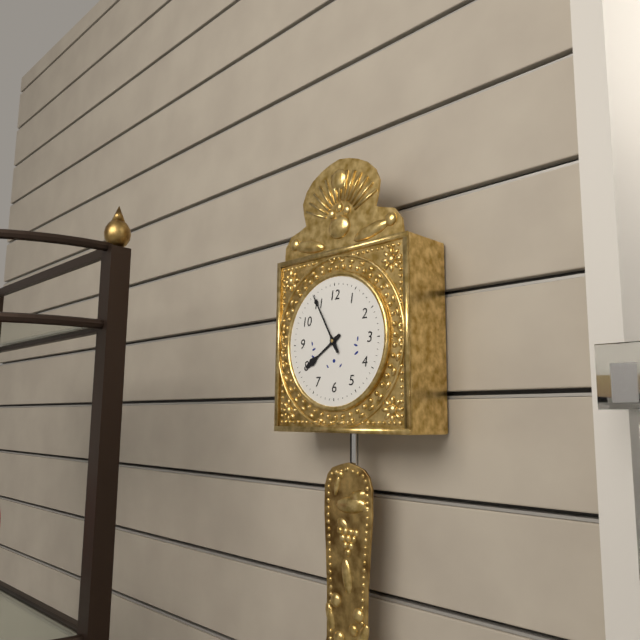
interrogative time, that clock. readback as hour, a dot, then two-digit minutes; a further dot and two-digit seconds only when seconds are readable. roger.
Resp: 7.55
